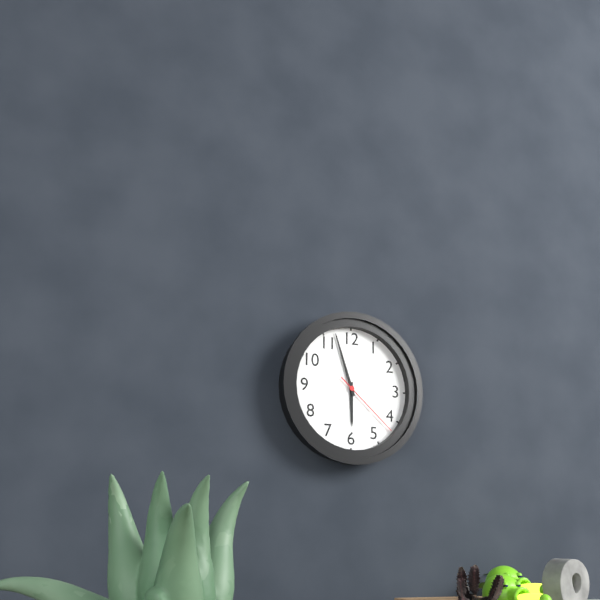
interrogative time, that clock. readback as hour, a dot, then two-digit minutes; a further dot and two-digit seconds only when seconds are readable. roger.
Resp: 5.57.22
